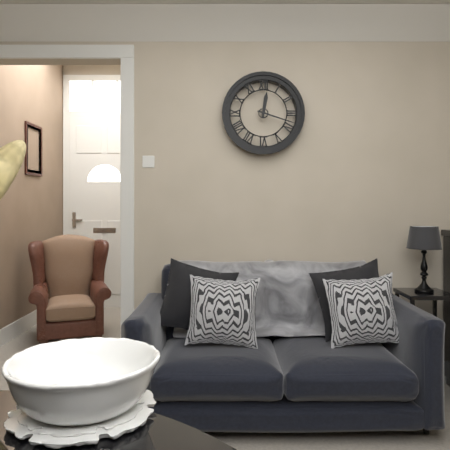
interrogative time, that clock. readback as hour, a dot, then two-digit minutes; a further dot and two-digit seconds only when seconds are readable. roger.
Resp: 12.18
